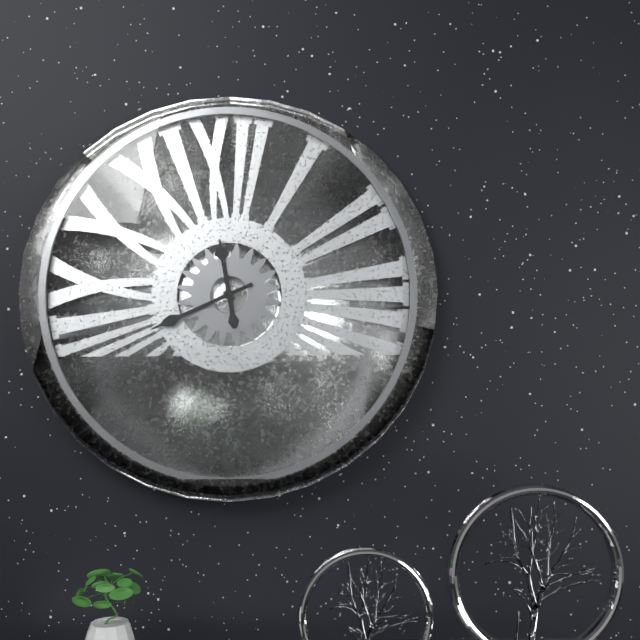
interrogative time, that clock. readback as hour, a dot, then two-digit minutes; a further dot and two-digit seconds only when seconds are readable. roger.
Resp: 11.41
